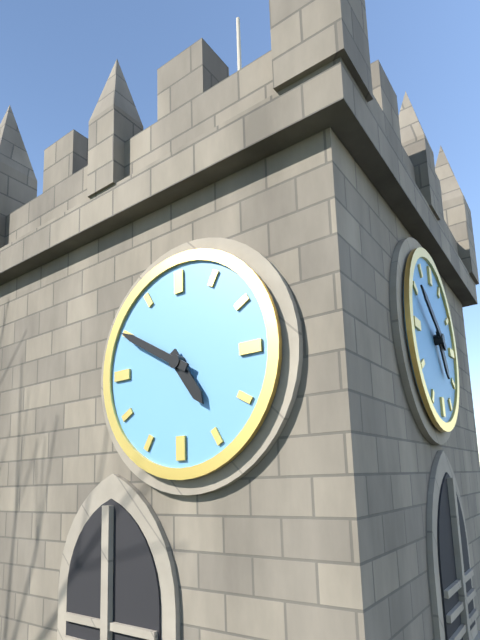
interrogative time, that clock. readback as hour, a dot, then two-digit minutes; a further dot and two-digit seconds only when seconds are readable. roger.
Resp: 4.50
